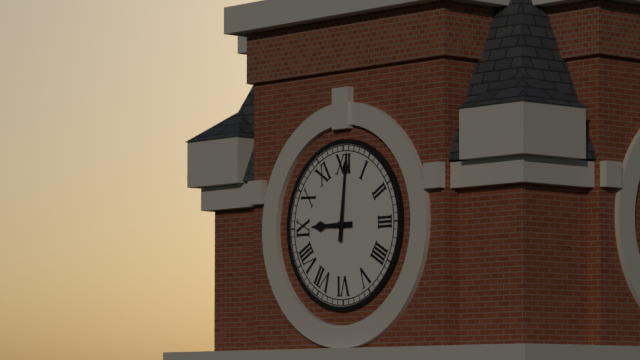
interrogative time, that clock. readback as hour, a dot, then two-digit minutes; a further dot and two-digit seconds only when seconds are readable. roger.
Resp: 9.01
